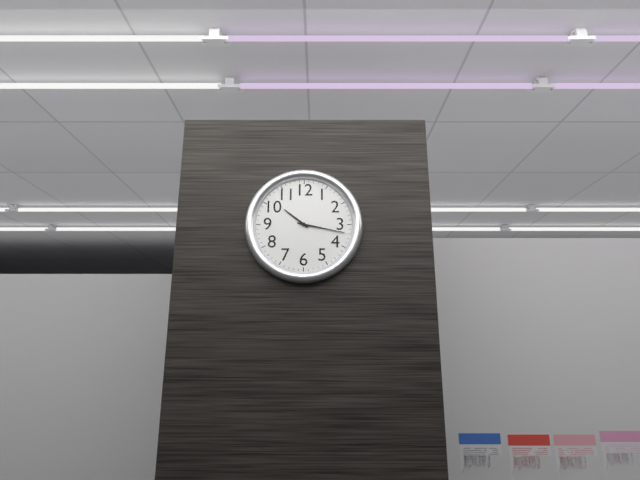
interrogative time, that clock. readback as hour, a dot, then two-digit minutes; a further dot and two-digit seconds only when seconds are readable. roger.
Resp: 10.17
